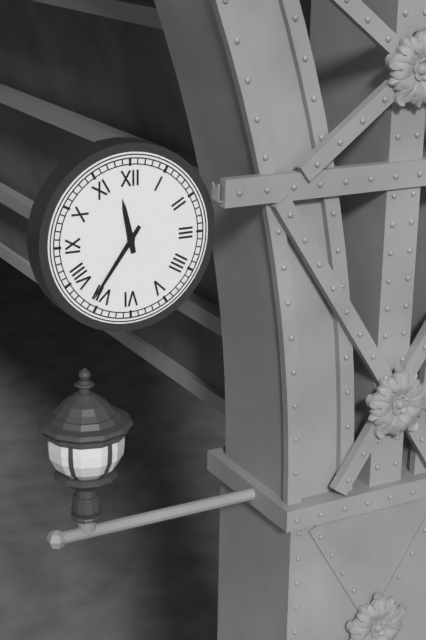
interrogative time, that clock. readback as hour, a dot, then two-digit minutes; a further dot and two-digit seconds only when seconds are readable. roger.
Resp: 11.36
